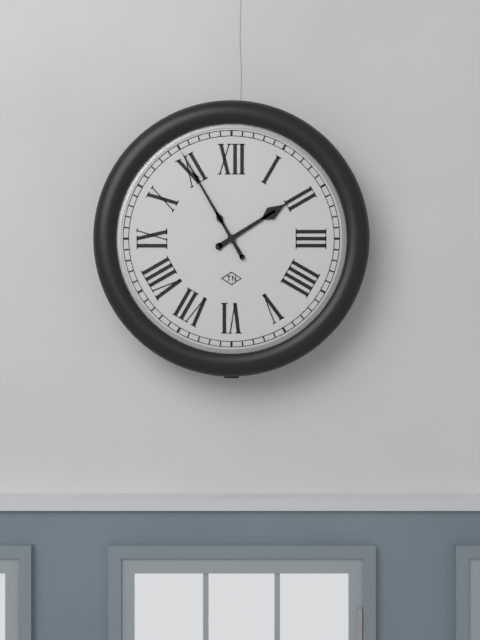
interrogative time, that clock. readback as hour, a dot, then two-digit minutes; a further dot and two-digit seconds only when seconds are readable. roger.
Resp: 1.55
